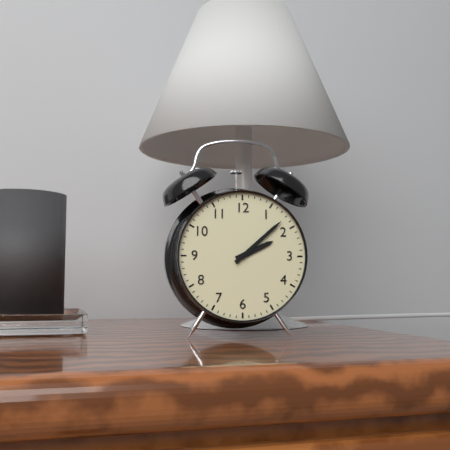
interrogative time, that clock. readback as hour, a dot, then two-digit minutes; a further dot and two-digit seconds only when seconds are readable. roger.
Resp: 2.08
